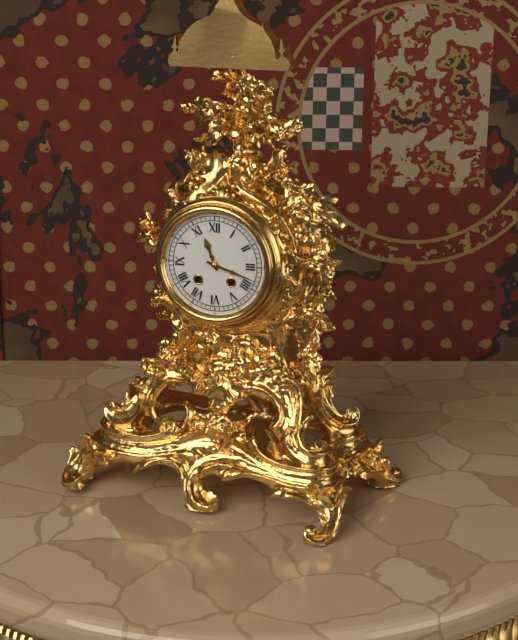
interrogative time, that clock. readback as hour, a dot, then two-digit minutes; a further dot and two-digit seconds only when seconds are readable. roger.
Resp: 11.18
